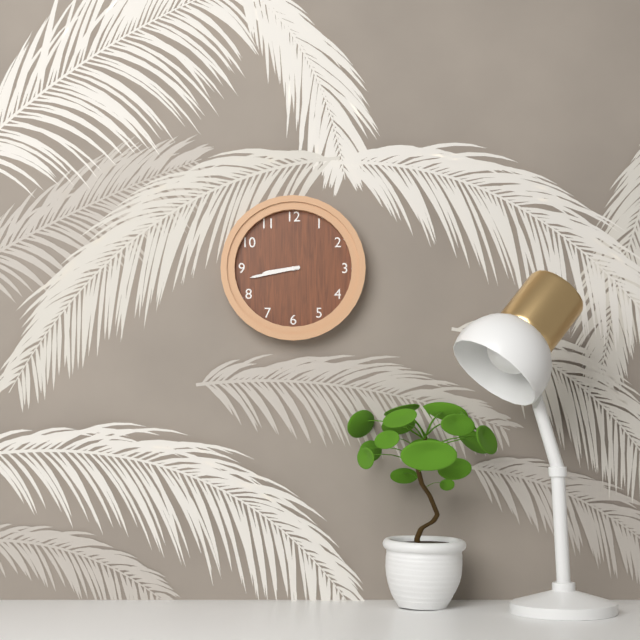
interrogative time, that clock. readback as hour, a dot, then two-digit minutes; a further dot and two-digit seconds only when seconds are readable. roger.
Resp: 8.43
